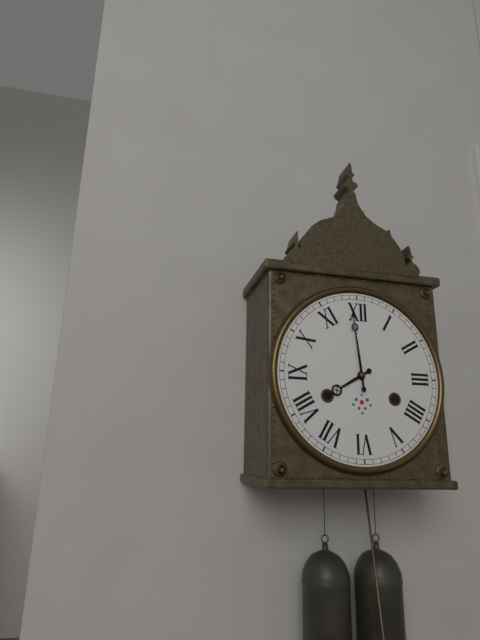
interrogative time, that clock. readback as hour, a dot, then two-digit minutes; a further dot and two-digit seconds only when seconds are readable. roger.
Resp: 7.59
